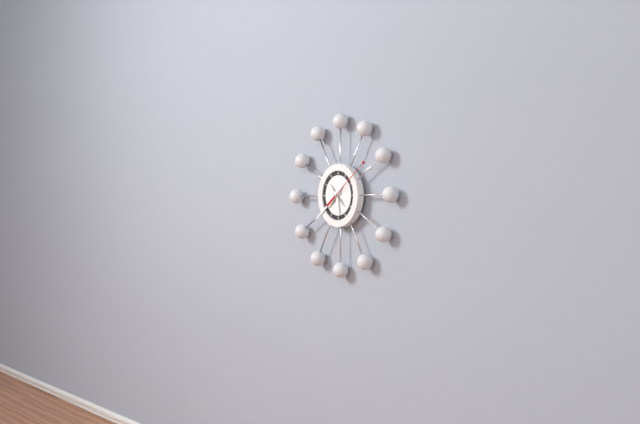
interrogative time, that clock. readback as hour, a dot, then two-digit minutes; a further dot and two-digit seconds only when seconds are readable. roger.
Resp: 5.39.09
